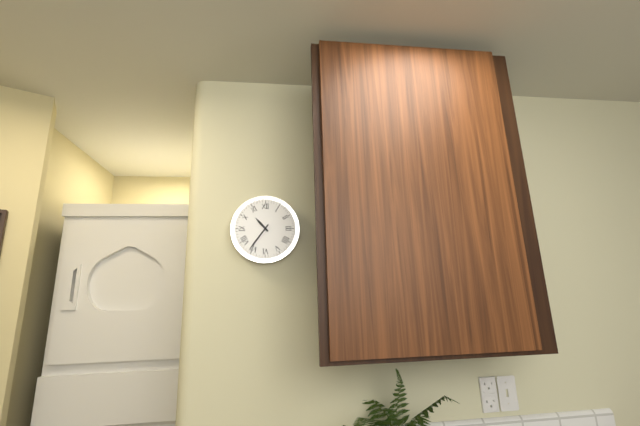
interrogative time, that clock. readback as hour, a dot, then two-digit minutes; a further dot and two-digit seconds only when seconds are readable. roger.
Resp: 10.36
